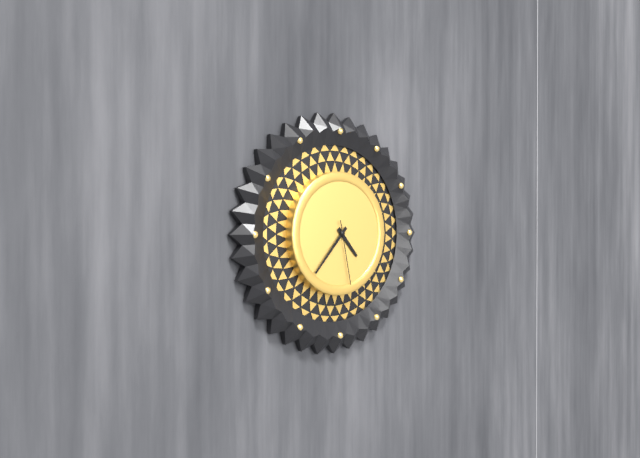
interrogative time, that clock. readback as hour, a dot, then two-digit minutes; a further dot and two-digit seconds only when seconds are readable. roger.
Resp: 4.37.28
